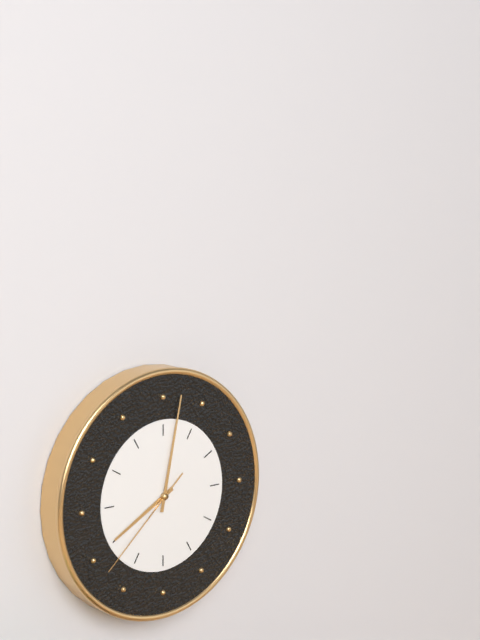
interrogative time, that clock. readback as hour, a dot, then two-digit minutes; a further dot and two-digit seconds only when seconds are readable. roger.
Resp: 8.02.38
